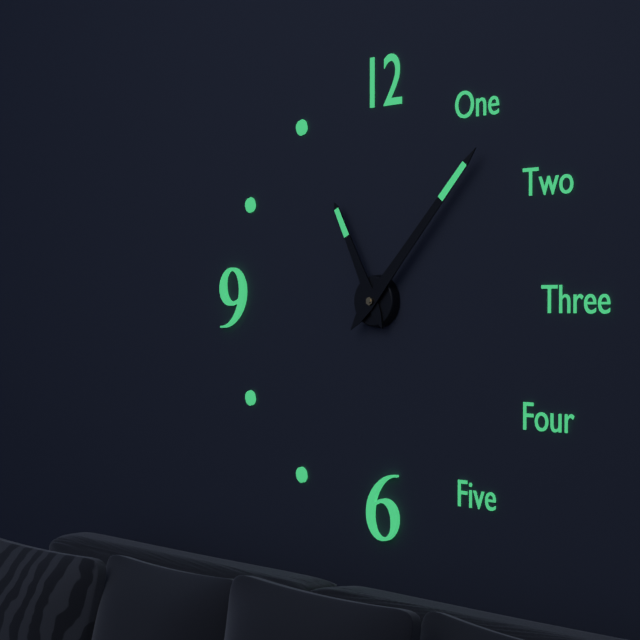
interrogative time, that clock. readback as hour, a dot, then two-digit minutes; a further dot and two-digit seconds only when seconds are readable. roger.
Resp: 11.07
